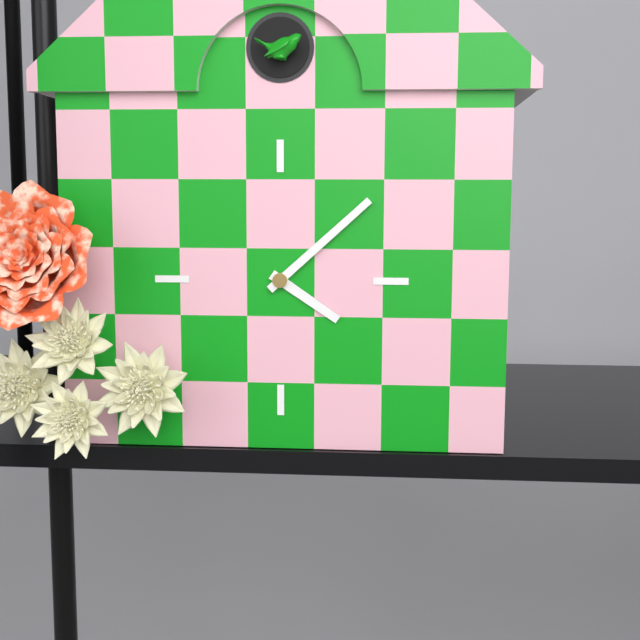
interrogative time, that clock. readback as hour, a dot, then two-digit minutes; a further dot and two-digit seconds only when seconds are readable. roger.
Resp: 4.08
